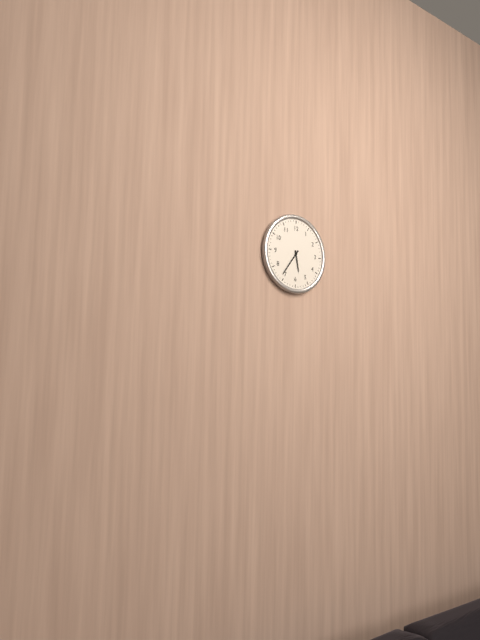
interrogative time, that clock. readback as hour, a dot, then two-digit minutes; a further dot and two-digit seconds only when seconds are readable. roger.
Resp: 5.36
